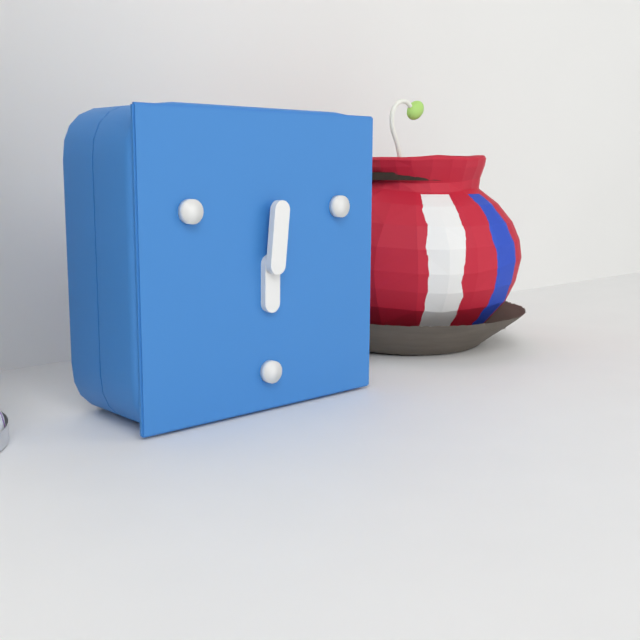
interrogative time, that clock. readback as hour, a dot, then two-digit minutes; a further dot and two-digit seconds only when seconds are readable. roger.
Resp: 6.01
